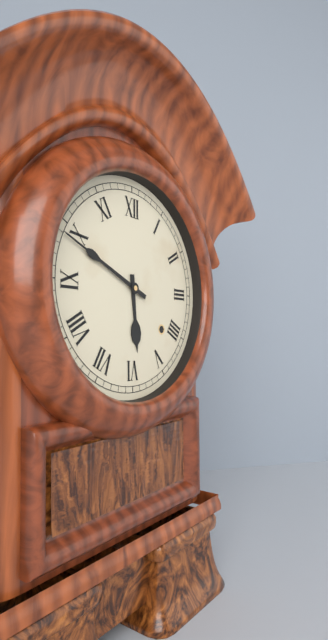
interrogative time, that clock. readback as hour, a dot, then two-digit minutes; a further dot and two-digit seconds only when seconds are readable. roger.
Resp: 5.49
